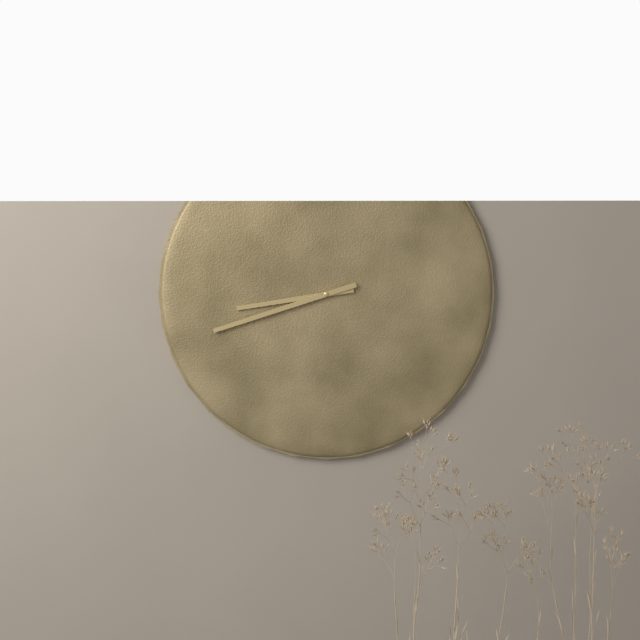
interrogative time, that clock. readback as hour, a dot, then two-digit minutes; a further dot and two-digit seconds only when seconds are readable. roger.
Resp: 8.42
